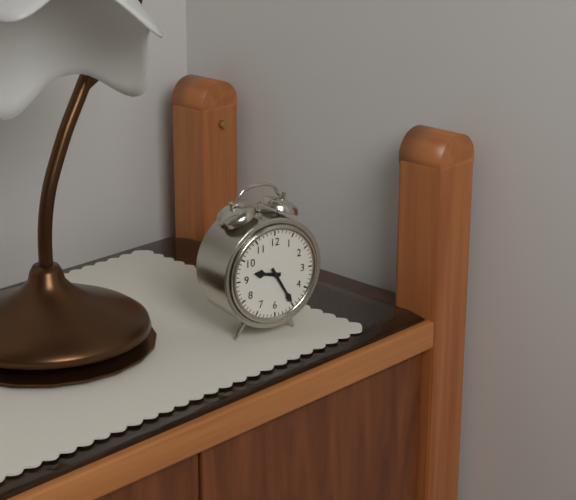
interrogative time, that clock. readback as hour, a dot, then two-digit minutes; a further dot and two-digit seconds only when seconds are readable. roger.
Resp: 9.25
